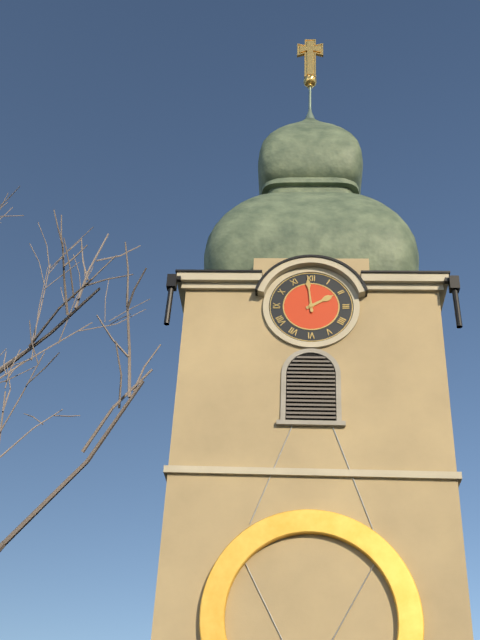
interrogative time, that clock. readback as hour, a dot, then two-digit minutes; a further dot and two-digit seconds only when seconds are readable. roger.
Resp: 1.59
